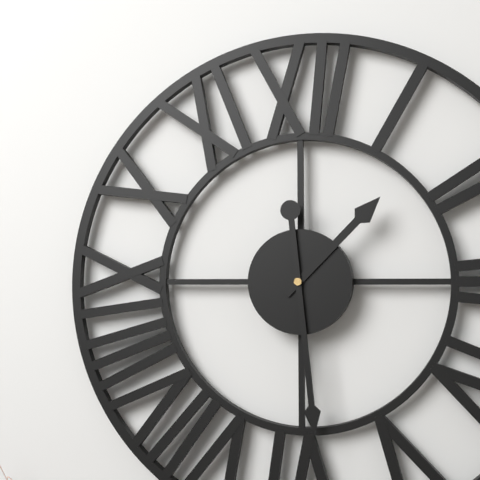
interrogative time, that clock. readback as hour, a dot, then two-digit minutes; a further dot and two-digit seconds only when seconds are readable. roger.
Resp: 1.29
